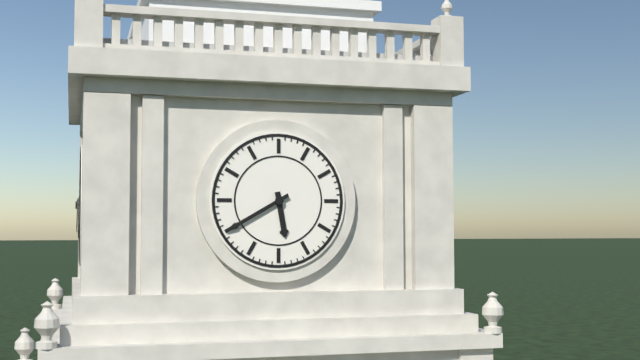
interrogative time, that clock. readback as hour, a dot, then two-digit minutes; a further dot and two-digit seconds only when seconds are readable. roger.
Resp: 5.40
